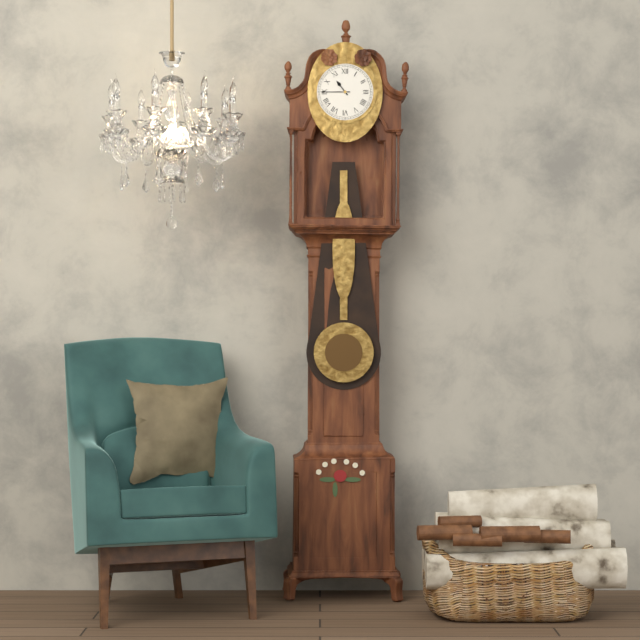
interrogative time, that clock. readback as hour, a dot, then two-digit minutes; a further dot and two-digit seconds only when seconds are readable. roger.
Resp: 10.45
